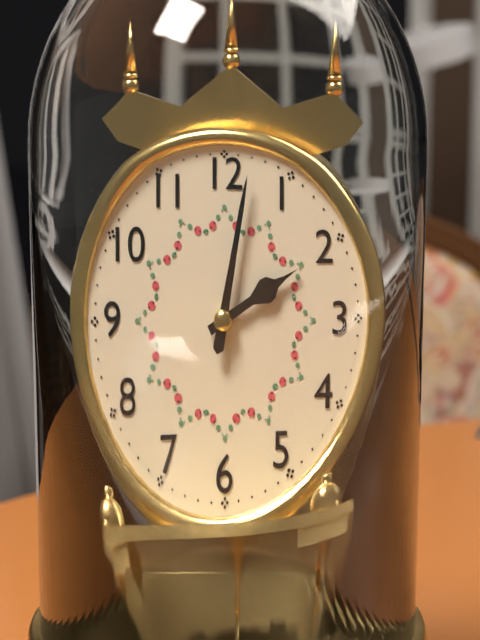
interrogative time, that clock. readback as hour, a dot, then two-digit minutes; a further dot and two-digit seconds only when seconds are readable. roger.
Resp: 2.02
